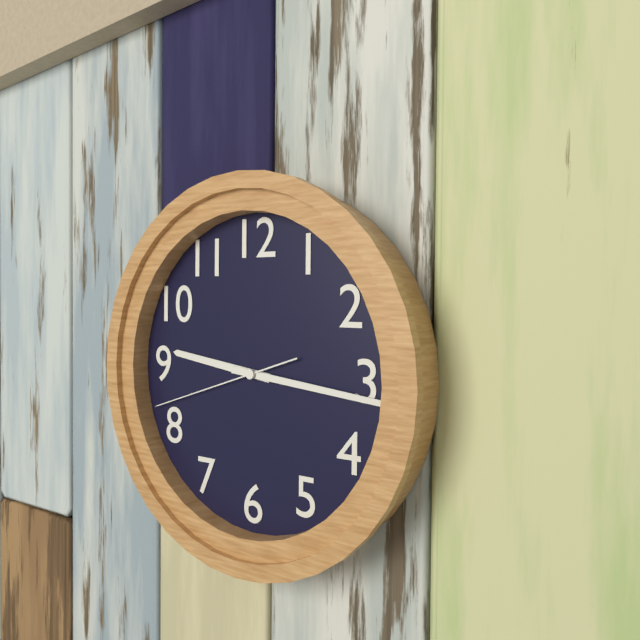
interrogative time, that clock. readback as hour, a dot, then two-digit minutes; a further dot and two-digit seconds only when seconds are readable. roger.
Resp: 9.16.42
